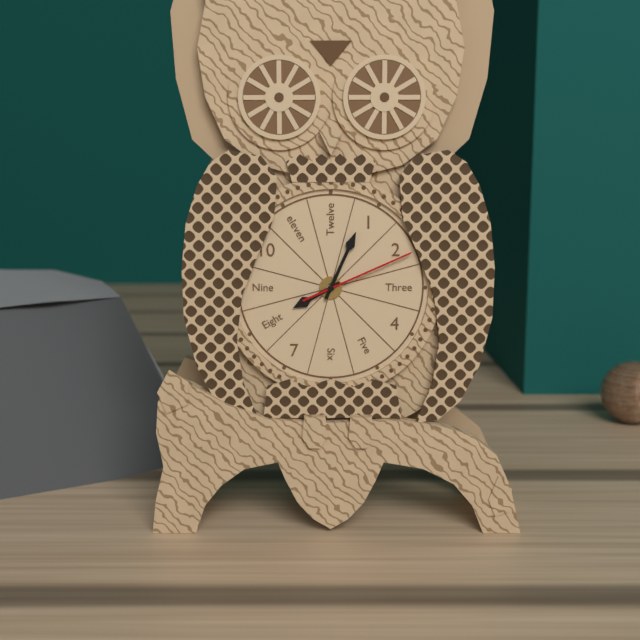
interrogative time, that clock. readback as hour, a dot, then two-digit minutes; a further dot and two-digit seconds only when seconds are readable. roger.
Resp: 8.04.11
